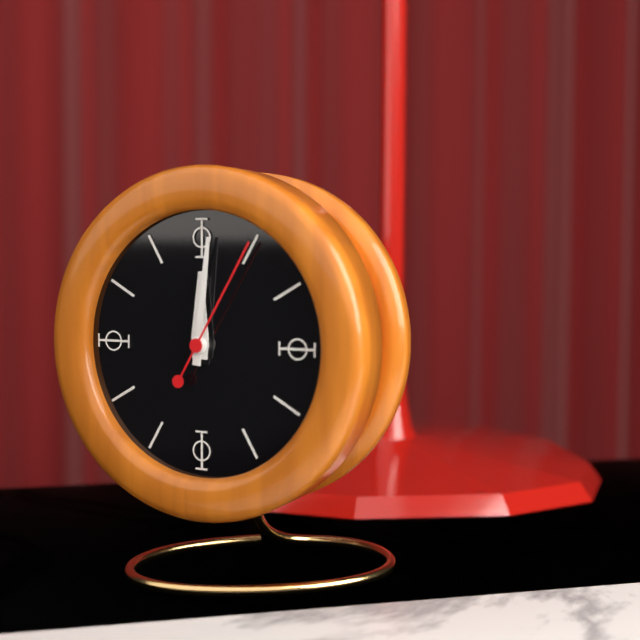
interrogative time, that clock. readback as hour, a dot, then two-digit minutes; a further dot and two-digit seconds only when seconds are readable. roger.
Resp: 12.01.05
